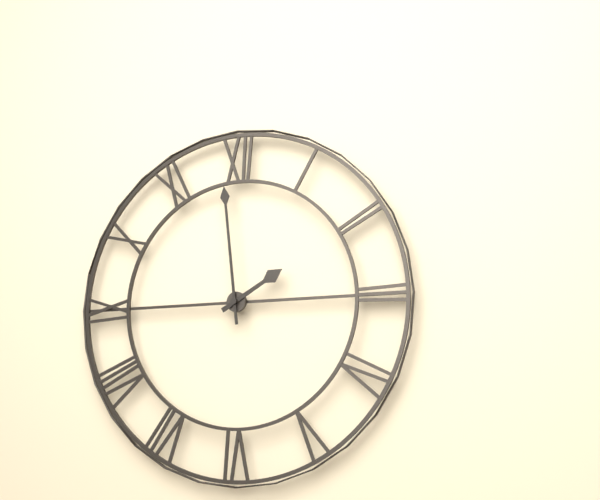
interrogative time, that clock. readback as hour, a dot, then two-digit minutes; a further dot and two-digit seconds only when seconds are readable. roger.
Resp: 1.59
